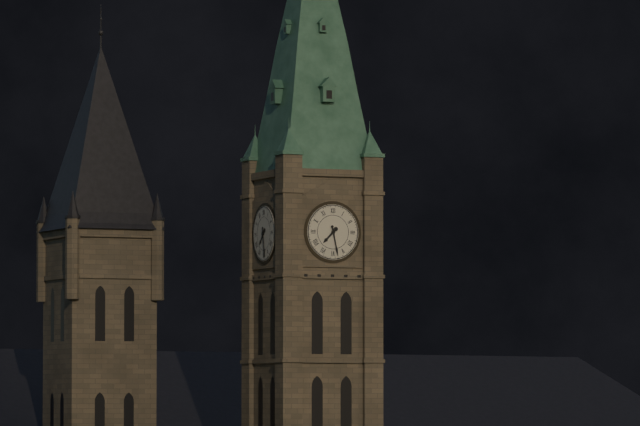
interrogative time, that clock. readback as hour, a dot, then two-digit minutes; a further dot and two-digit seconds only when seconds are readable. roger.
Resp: 7.28
